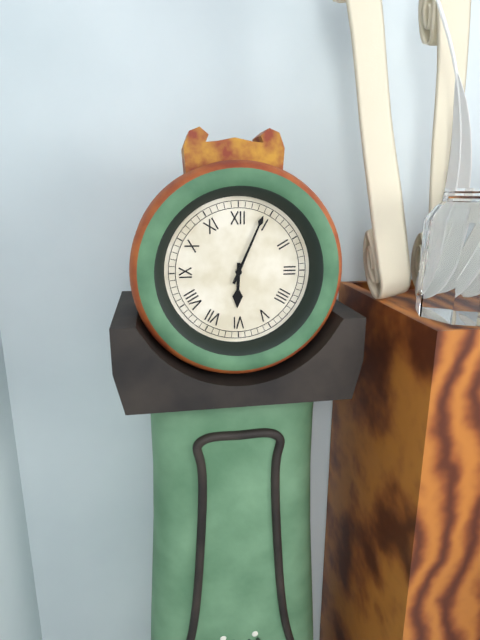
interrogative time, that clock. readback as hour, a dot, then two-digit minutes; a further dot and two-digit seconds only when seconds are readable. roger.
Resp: 6.04
